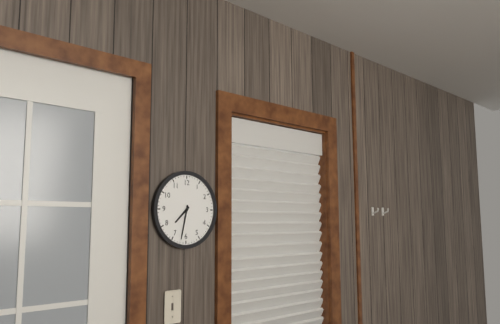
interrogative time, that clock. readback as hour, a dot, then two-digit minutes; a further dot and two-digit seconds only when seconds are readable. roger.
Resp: 7.32
